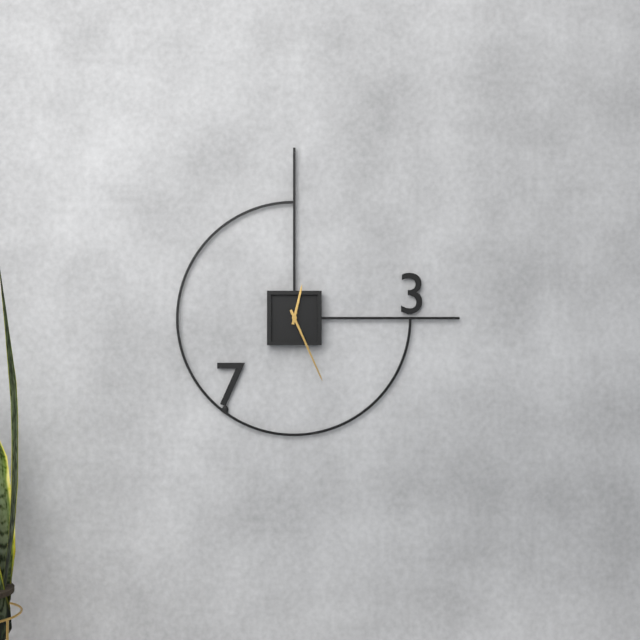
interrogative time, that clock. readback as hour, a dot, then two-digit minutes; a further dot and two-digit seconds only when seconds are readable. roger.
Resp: 12.26
